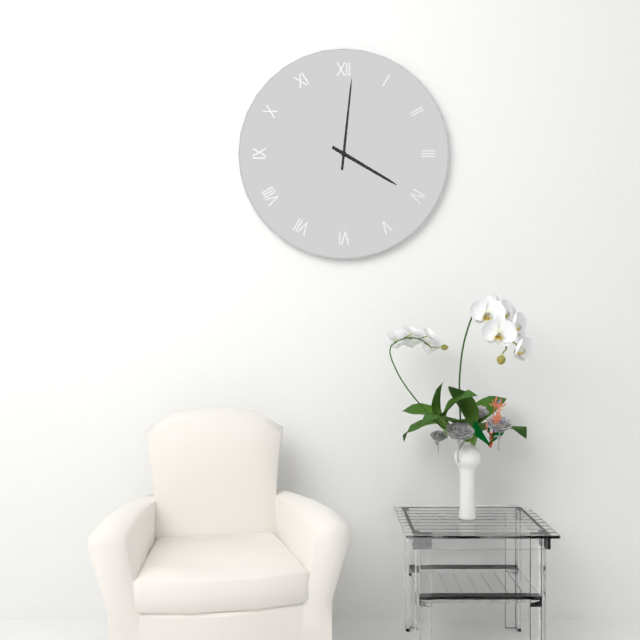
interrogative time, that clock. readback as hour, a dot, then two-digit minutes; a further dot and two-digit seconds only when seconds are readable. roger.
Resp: 4.01
